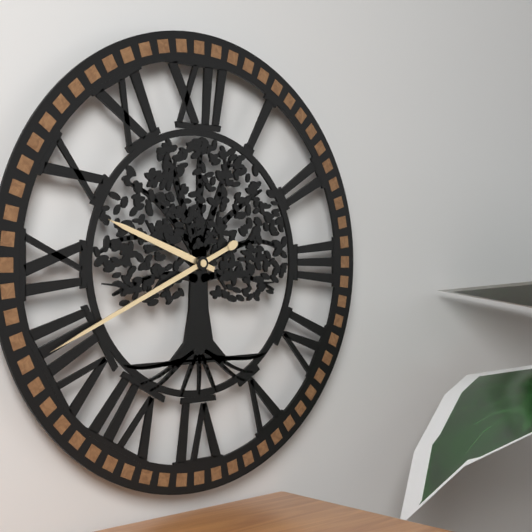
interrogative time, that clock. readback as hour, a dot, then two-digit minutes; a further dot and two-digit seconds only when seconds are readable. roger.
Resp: 9.41
